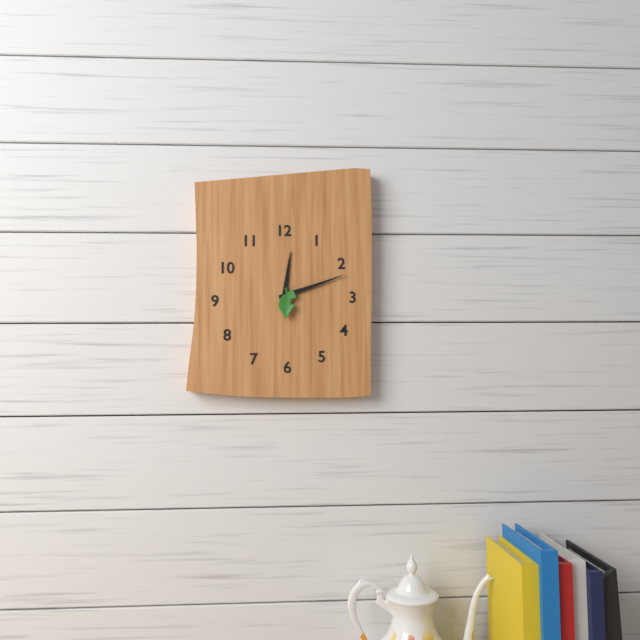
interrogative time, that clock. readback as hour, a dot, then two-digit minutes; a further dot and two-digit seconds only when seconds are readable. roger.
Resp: 12.12
